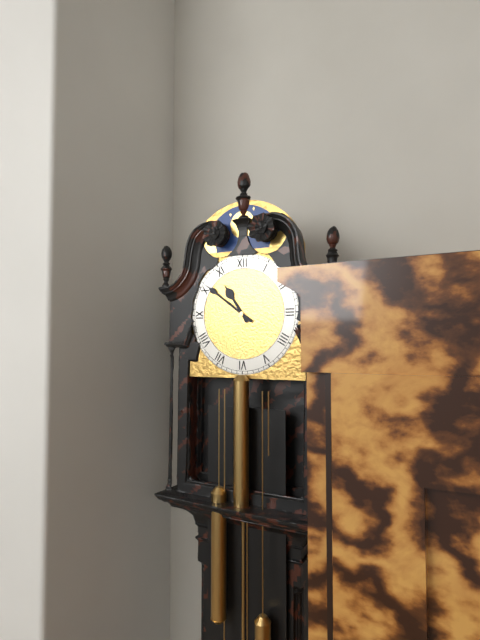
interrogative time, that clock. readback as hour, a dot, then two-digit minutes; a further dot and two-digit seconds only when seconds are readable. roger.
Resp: 10.51
